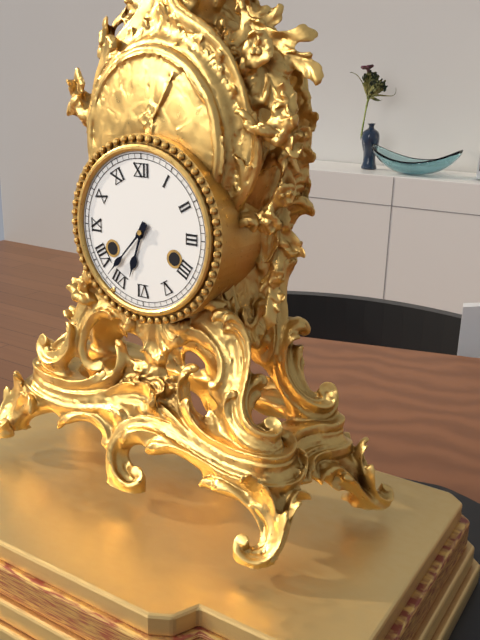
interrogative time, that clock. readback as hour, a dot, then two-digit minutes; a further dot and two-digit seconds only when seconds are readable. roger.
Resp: 6.37
